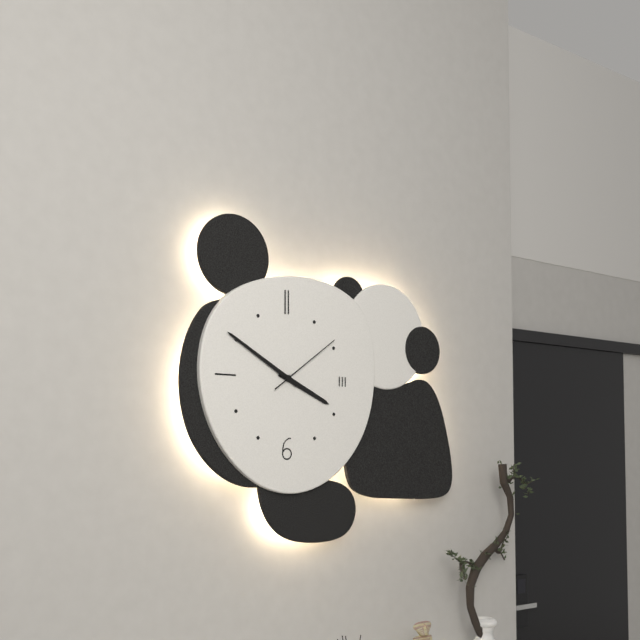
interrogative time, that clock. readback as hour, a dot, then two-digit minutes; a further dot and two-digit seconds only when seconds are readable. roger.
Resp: 3.50.09
